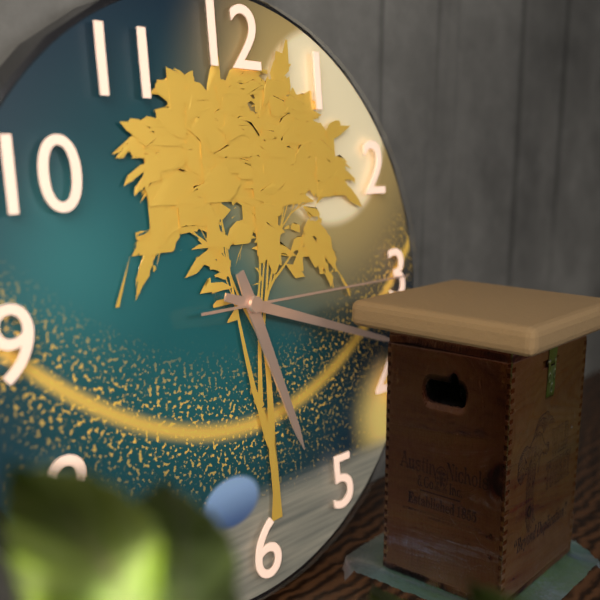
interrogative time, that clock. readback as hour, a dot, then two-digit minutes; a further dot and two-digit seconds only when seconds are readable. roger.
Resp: 5.18.15
